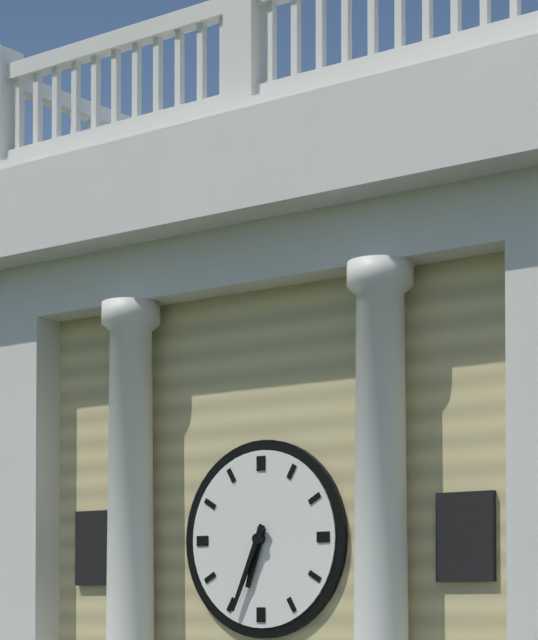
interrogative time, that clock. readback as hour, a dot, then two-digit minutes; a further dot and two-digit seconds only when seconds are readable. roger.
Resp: 6.34
